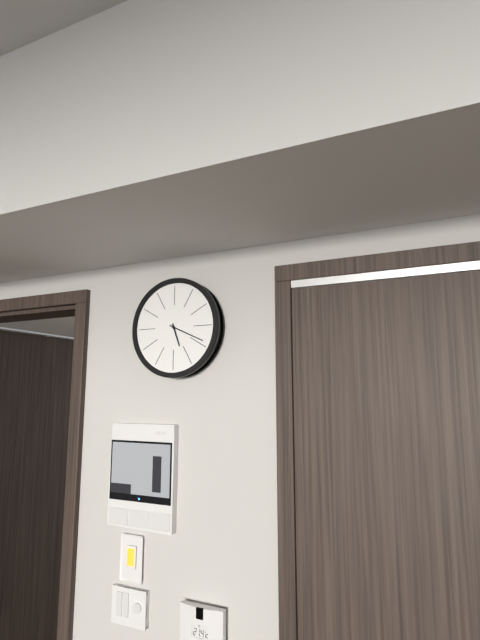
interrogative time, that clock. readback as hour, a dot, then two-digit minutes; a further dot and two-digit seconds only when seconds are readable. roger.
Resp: 5.19
